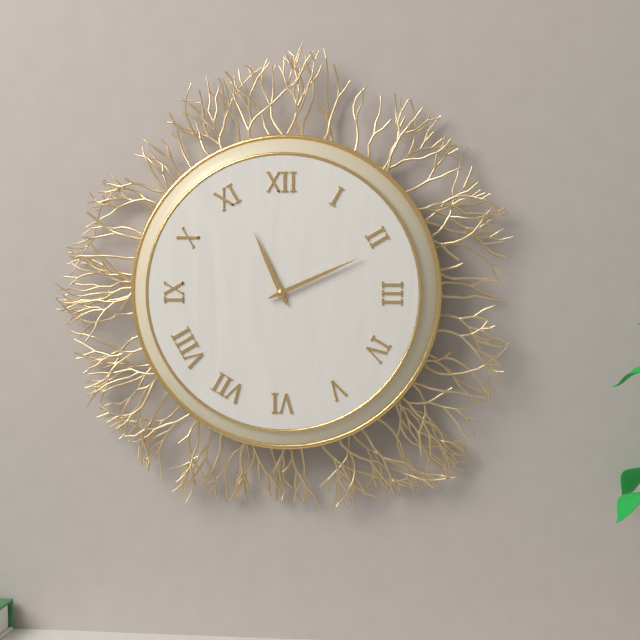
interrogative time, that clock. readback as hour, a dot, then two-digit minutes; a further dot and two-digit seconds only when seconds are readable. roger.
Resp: 11.11
